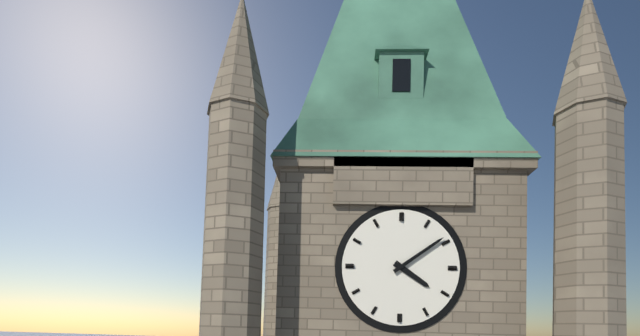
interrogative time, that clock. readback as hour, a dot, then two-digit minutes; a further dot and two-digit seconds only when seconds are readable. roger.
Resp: 4.09
